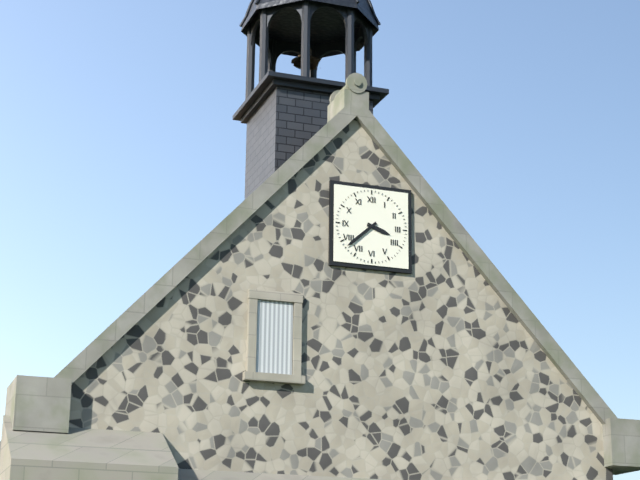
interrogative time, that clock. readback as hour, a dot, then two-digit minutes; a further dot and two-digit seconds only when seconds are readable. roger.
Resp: 3.38
